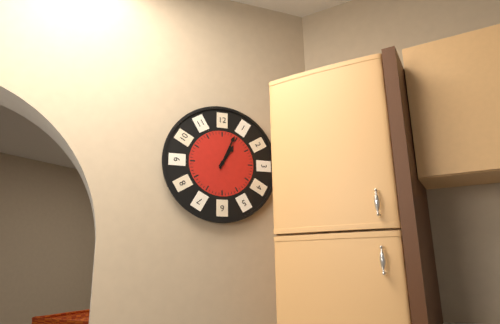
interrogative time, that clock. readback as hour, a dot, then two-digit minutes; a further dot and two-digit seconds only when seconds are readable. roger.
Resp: 1.04
